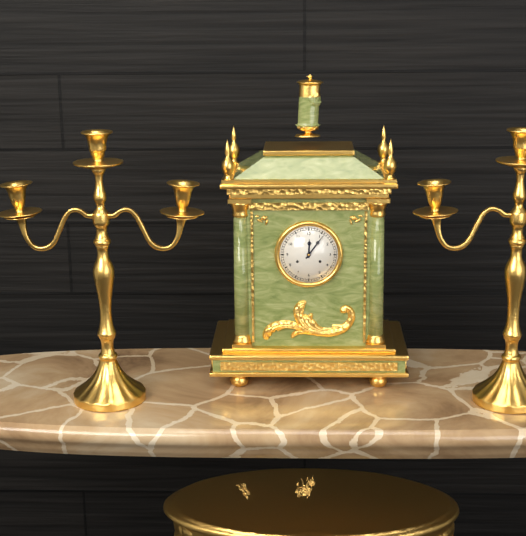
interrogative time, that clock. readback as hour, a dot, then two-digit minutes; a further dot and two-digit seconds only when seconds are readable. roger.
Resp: 12.06
